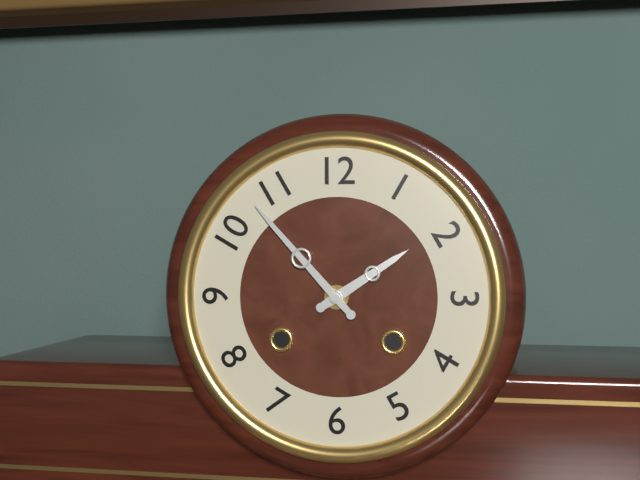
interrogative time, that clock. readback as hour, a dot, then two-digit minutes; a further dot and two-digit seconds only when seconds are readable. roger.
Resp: 1.53
